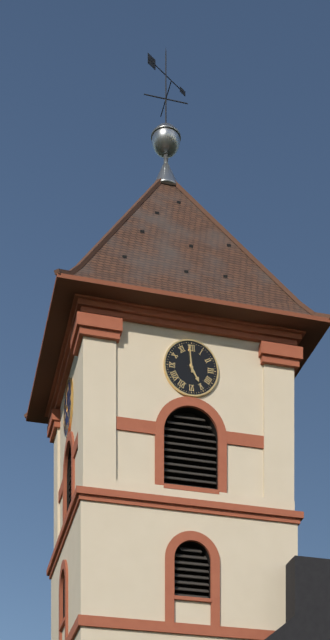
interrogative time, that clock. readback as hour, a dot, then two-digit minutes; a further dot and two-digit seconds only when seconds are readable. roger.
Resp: 4.59
